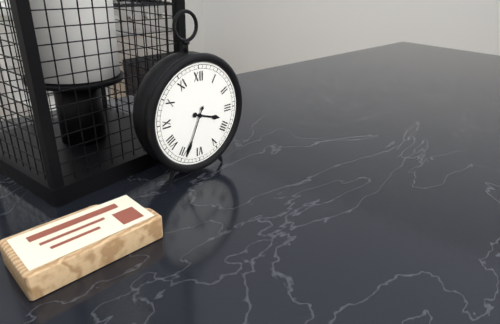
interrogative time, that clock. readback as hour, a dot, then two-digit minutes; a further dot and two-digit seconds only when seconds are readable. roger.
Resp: 3.34
